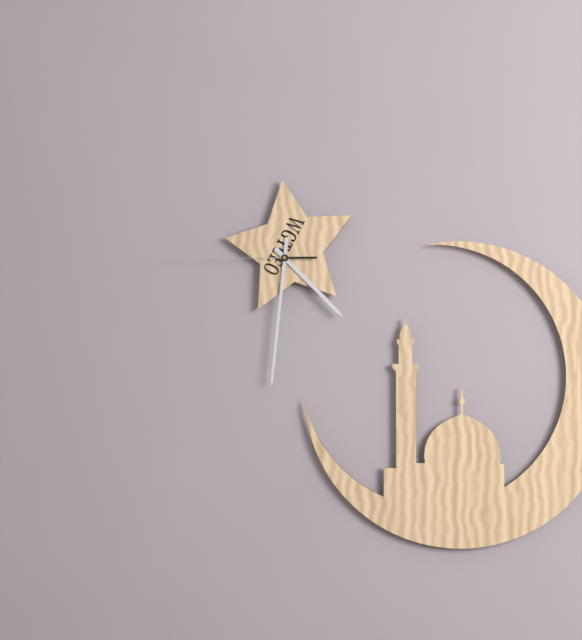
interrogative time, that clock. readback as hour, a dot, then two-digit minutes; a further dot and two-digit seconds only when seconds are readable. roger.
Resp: 4.31.45
